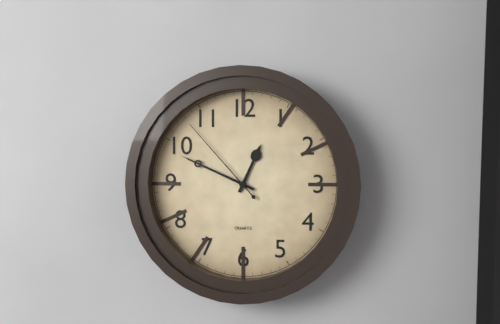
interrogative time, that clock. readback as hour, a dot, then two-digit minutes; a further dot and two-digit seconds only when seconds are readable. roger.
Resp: 12.49.53
